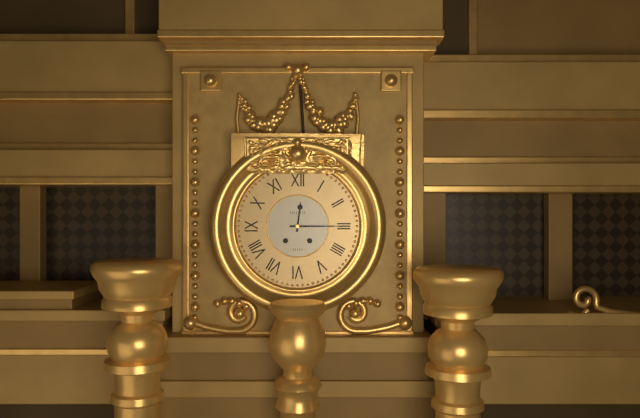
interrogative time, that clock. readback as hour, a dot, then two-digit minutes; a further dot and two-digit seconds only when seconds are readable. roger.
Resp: 12.15
